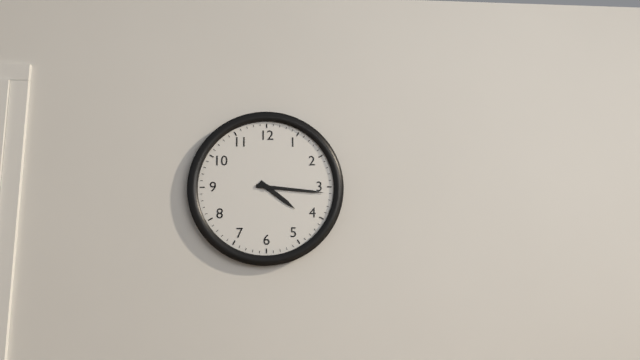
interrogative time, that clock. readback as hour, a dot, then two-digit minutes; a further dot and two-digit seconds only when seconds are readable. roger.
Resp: 4.16
